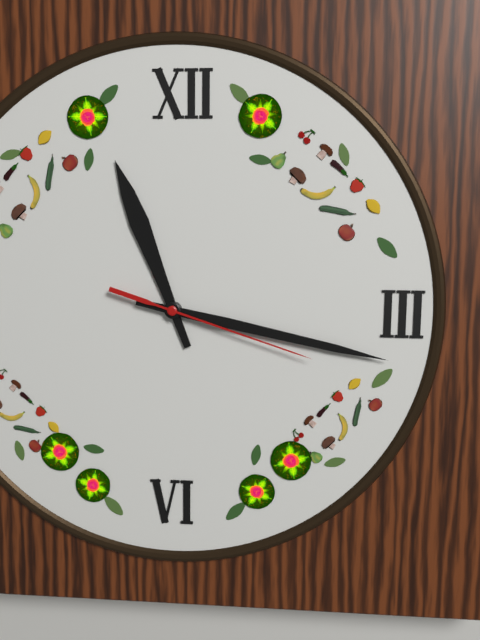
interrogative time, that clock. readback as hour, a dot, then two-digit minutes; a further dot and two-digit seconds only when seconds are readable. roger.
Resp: 11.17.18
